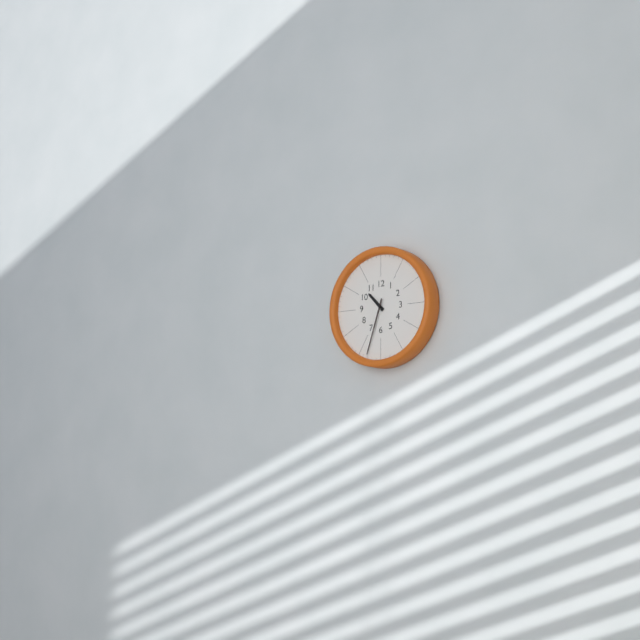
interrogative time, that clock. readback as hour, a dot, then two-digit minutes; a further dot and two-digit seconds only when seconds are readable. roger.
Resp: 10.33
